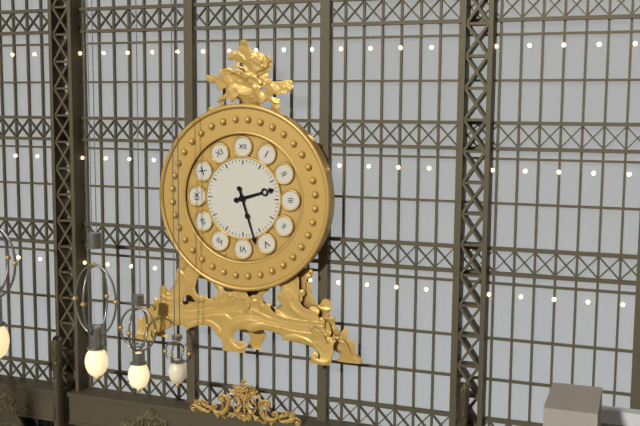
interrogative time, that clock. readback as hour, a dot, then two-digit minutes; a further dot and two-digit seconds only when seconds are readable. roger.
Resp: 2.27
